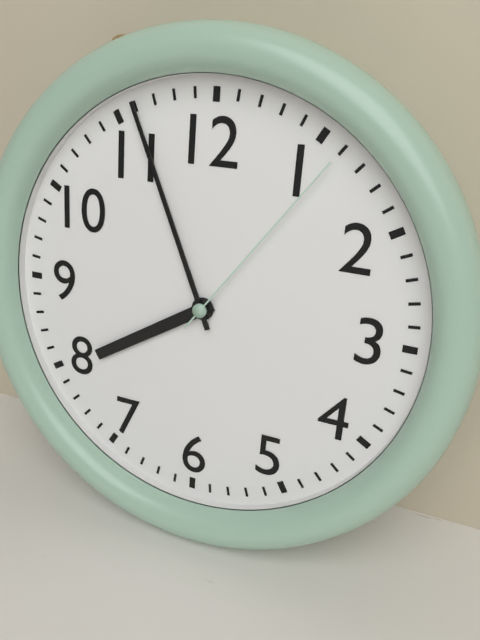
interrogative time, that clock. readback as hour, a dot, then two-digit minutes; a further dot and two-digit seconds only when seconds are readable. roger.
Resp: 7.56.06
